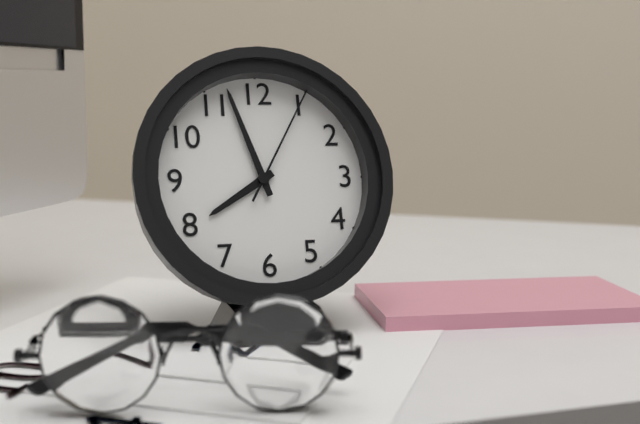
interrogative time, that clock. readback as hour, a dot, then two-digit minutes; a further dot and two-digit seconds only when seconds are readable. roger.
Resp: 7.57.05
